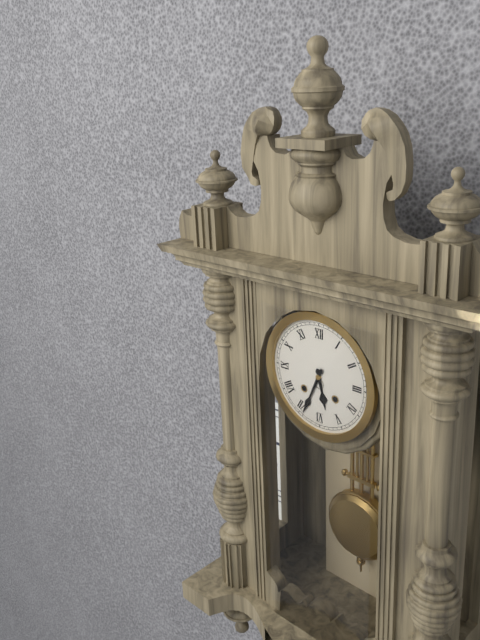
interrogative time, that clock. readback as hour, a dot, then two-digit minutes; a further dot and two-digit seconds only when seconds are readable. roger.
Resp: 5.34
